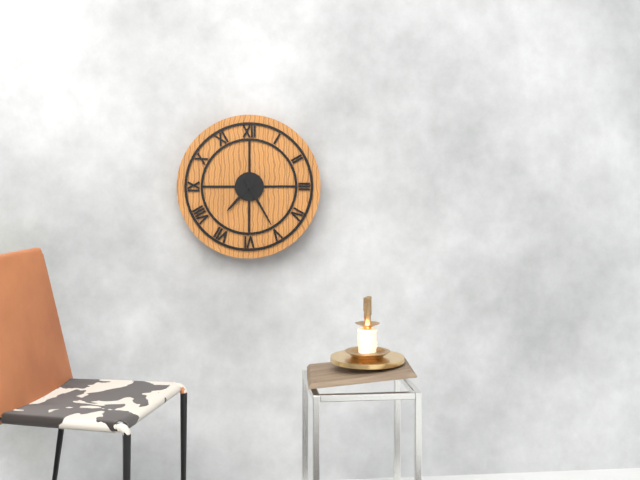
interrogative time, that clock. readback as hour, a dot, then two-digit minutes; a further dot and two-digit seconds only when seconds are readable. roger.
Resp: 7.25
